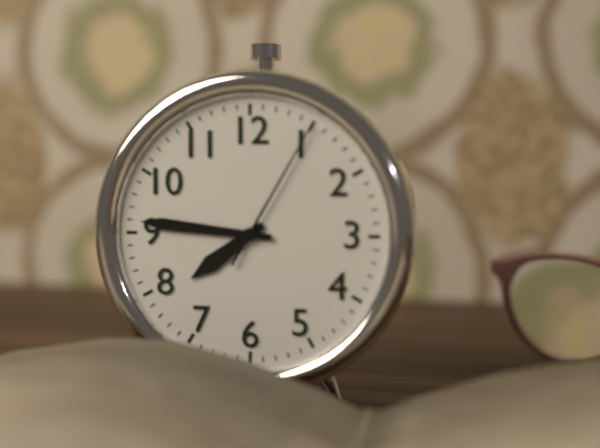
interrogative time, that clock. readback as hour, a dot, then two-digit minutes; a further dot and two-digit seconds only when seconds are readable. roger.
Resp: 7.46.05
